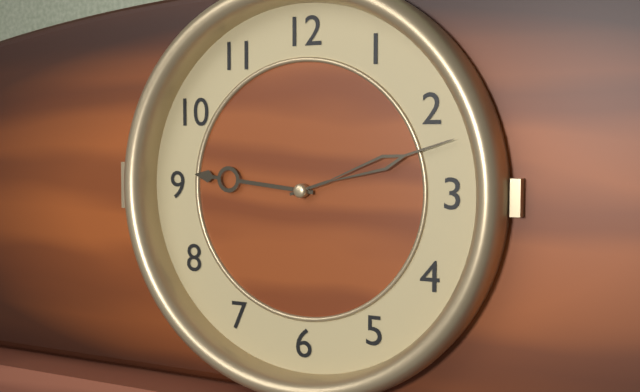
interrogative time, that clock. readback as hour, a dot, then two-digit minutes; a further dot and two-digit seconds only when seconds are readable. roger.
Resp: 9.12
